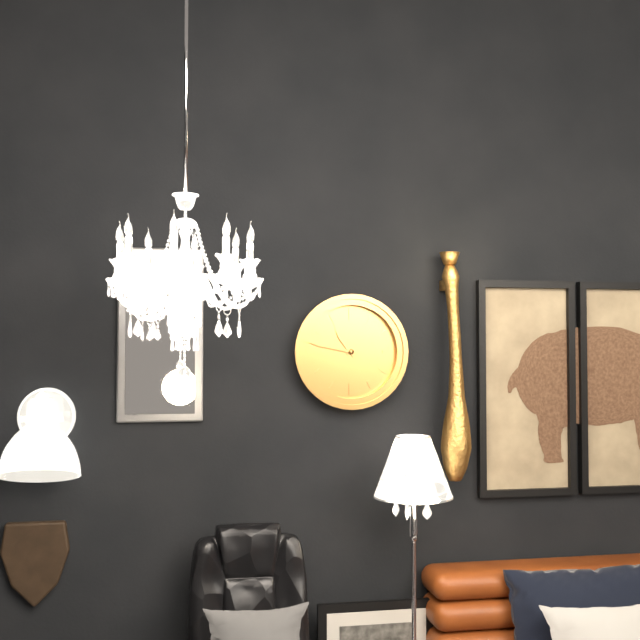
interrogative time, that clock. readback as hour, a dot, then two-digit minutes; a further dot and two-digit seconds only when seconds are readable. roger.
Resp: 10.47
